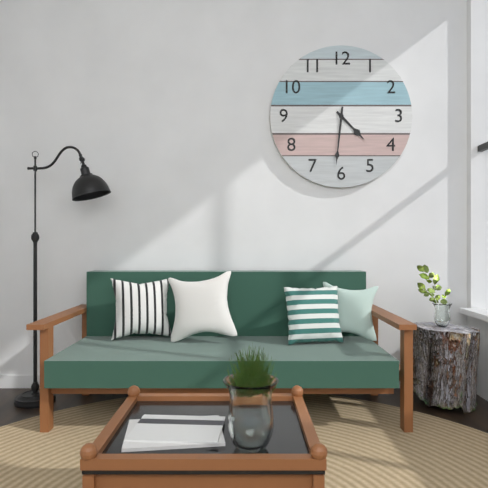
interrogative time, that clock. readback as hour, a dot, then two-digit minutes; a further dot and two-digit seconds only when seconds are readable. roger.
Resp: 4.31
